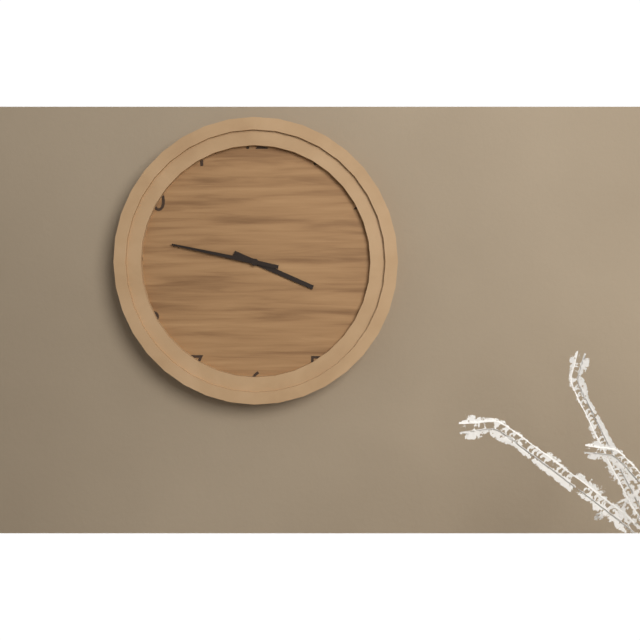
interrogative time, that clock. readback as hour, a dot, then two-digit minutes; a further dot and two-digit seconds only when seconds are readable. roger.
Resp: 3.47
